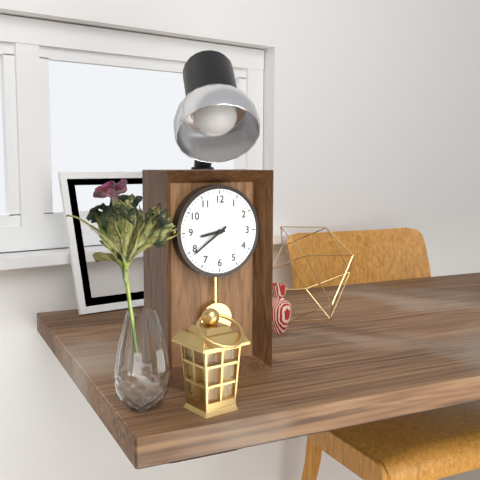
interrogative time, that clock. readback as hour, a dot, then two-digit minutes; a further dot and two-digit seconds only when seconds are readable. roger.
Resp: 8.39
